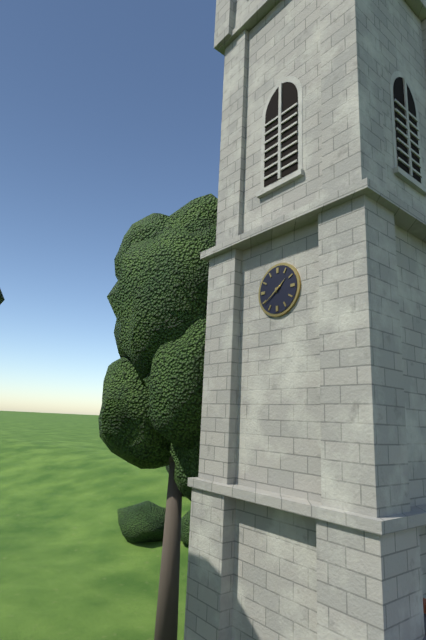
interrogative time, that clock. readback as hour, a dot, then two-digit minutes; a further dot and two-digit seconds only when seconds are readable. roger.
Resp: 1.39
